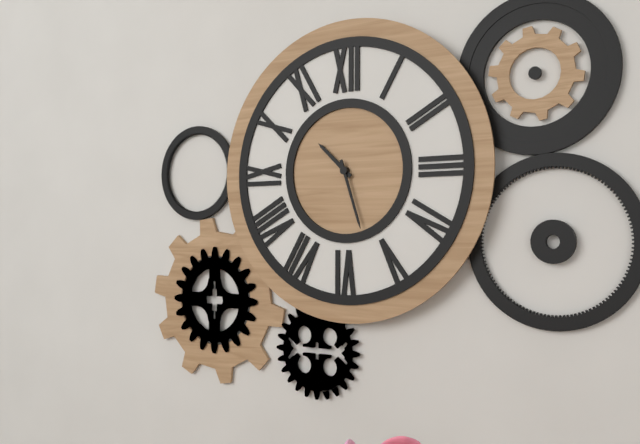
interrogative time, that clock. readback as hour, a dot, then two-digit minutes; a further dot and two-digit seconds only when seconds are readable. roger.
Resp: 10.27
